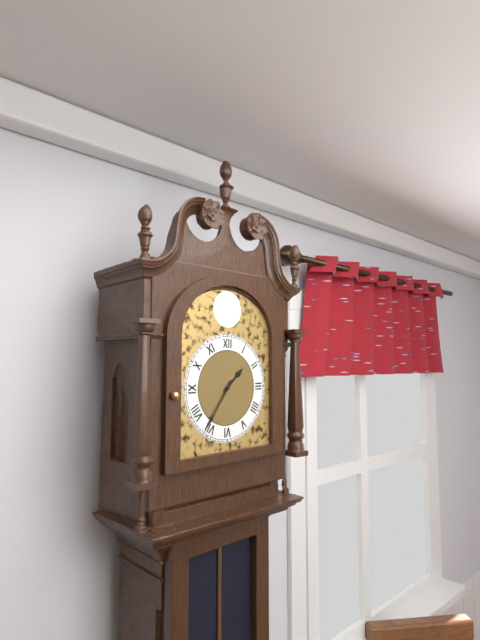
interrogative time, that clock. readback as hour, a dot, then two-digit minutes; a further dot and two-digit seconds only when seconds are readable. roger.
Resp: 1.36
